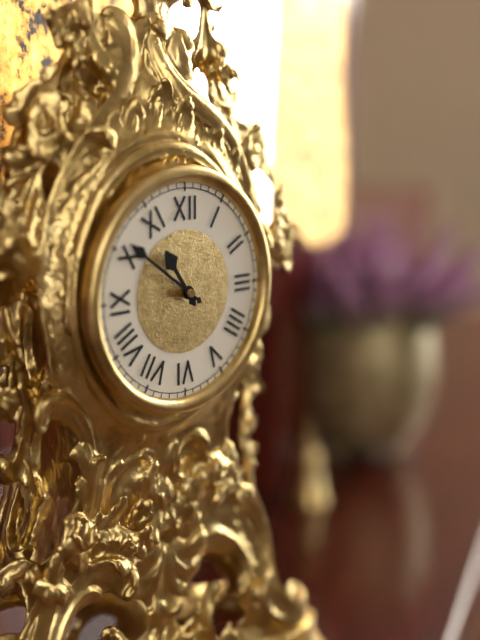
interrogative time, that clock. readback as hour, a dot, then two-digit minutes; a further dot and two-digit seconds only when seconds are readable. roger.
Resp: 10.51
